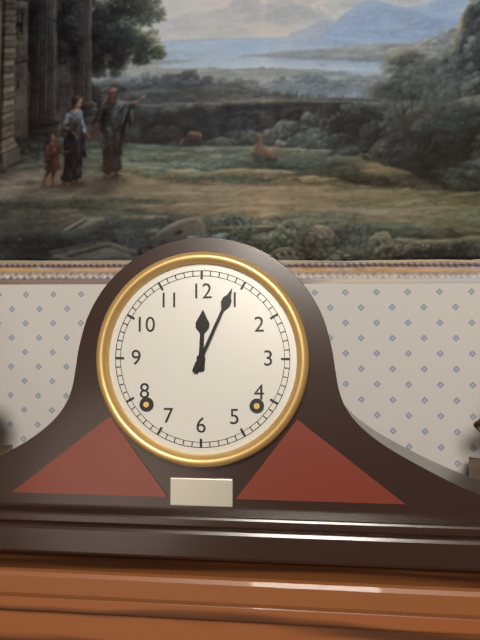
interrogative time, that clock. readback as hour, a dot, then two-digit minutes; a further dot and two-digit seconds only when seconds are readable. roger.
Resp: 12.04
